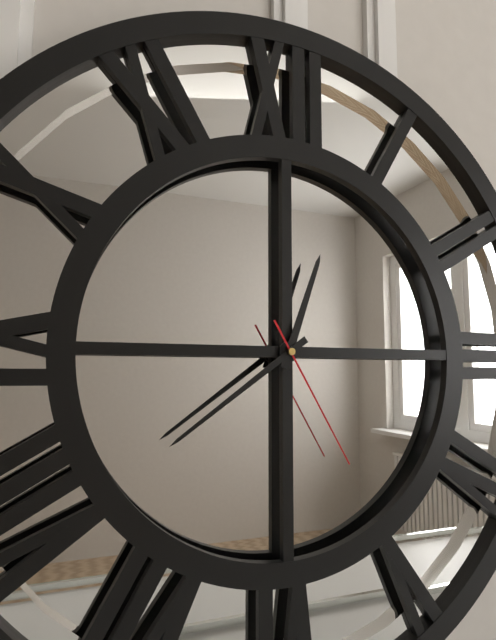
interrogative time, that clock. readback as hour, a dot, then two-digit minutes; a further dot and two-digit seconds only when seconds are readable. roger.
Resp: 12.39.25
